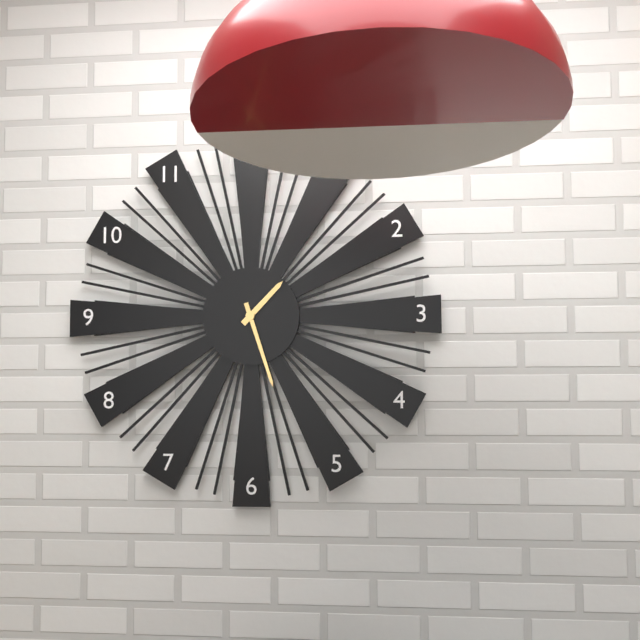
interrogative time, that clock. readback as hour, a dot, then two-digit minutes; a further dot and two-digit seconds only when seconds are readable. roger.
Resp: 1.27
